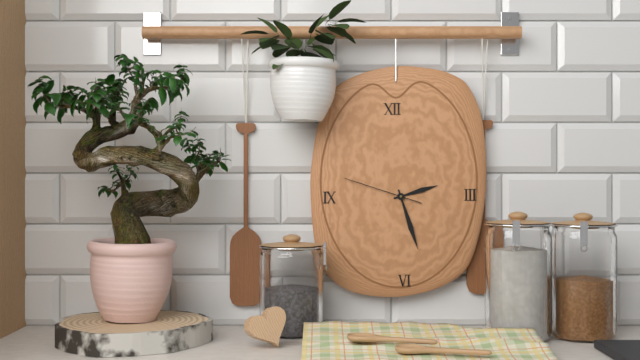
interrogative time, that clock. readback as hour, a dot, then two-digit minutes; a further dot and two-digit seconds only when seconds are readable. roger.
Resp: 2.27.48
